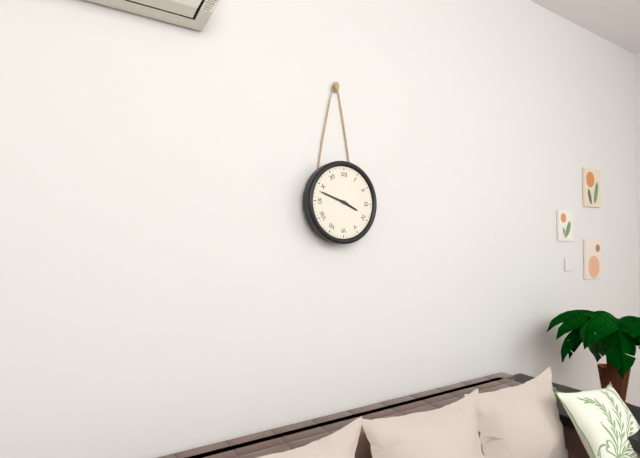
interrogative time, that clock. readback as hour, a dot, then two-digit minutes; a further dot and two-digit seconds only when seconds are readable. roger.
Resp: 3.48
